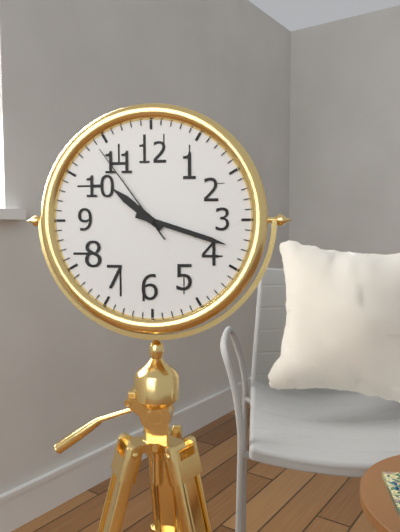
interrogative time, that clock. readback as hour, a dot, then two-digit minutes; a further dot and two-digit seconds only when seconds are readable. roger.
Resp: 10.18.54
